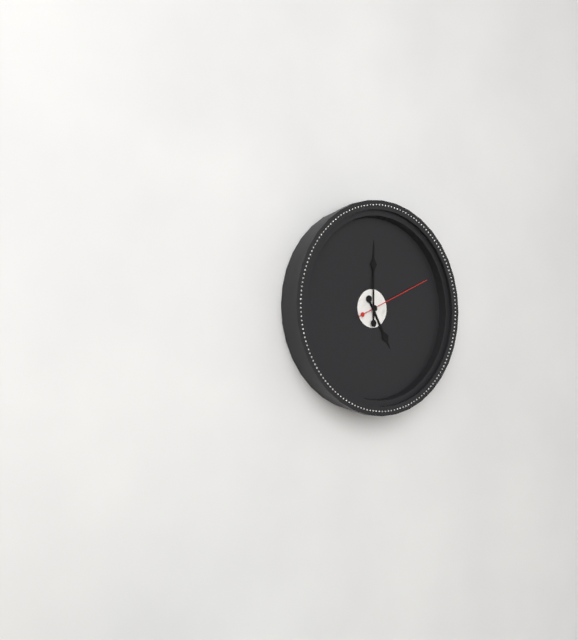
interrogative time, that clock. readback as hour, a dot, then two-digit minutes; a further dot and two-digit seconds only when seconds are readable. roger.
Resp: 5.00.11
